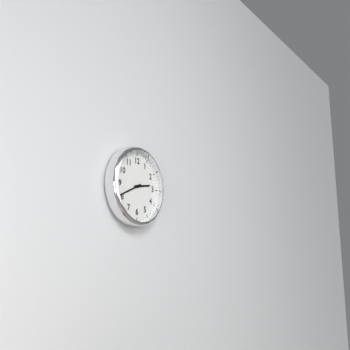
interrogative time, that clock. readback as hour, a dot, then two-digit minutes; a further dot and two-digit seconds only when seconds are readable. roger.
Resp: 2.41
